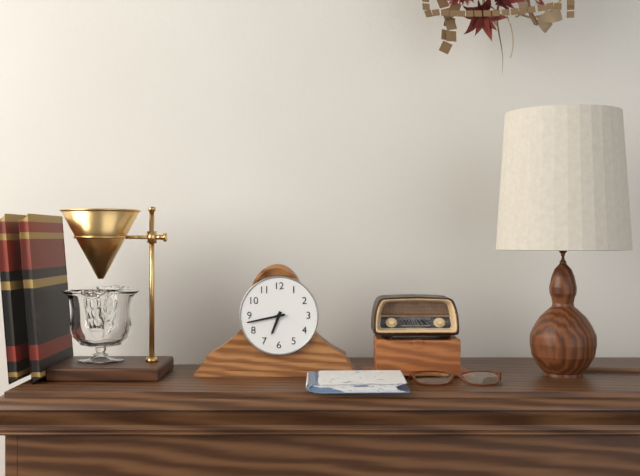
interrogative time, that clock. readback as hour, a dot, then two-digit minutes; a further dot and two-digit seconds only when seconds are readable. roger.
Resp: 6.43
